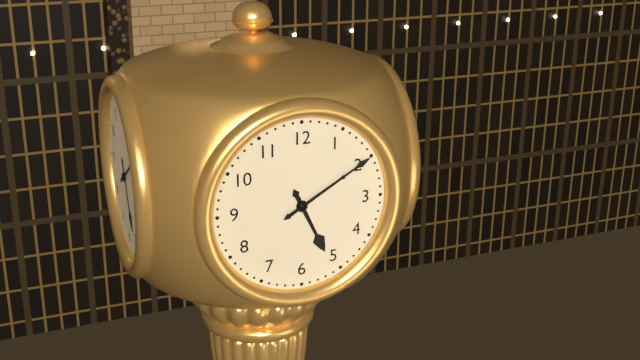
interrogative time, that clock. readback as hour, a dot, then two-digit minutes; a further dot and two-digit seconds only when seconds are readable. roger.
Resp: 5.10
